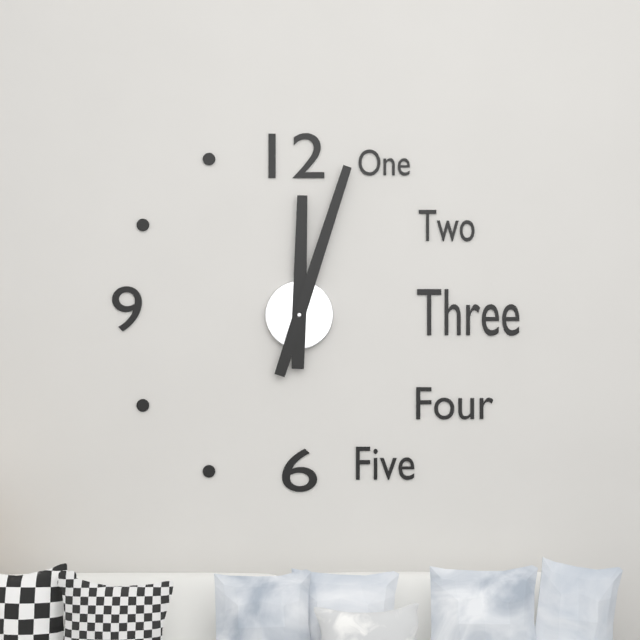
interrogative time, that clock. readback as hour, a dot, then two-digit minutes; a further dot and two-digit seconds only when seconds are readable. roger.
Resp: 12.03
